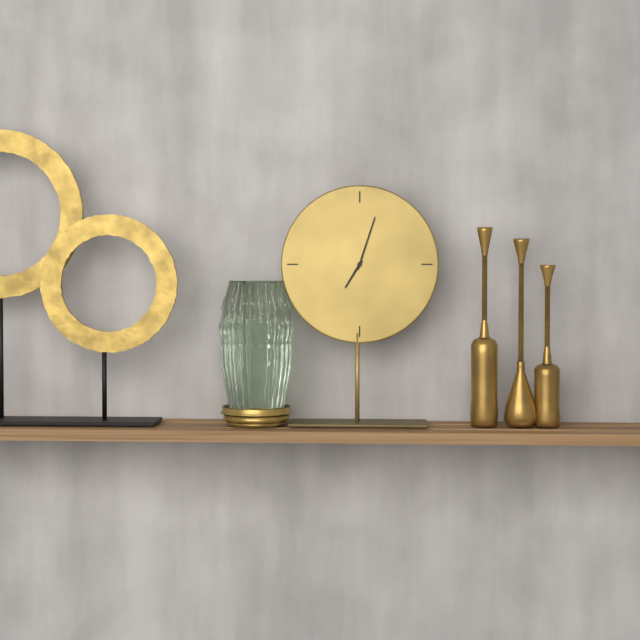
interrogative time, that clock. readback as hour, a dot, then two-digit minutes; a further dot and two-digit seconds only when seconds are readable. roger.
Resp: 7.03
